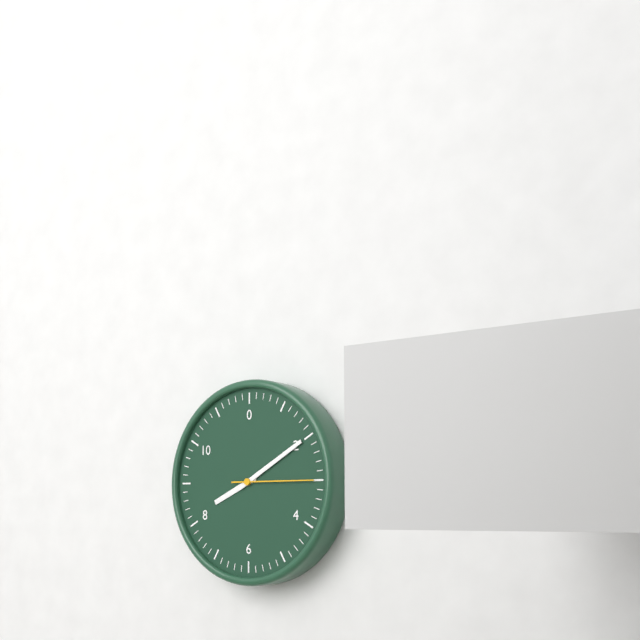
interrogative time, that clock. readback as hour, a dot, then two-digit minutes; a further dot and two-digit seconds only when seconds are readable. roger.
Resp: 8.10.15
